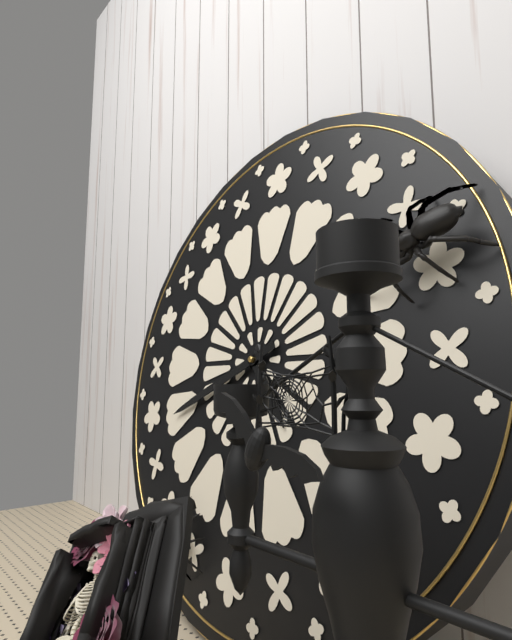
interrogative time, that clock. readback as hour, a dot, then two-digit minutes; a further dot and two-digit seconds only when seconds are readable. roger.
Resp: 4.41
